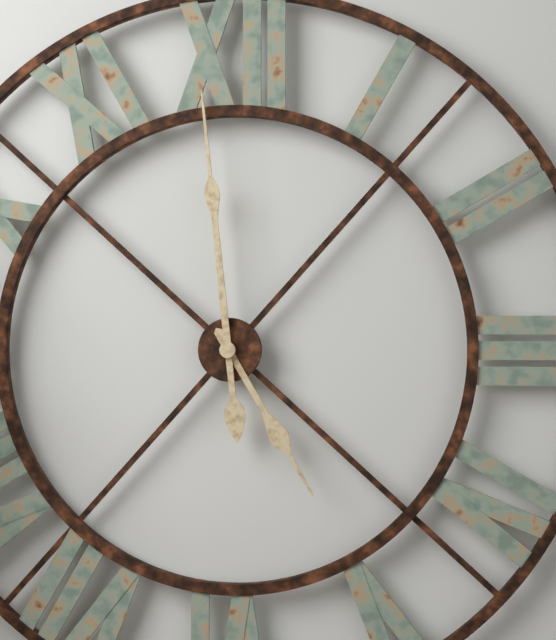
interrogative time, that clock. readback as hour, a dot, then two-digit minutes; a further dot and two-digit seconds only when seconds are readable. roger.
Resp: 4.59
